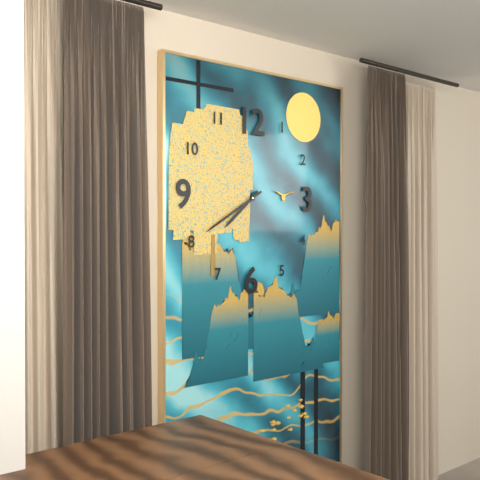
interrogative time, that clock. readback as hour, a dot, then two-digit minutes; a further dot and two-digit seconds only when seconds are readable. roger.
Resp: 7.40
